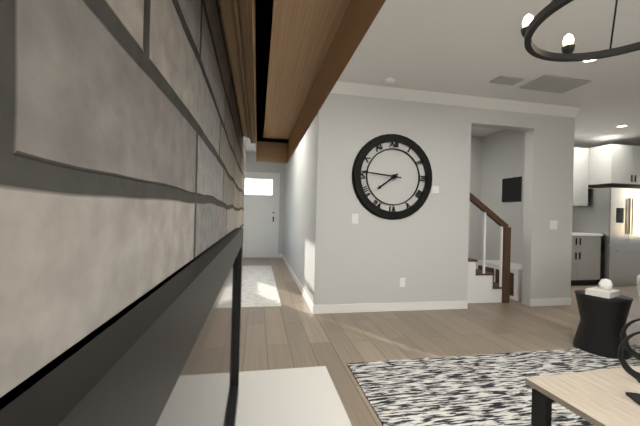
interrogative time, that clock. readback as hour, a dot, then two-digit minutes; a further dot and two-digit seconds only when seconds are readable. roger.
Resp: 7.46
